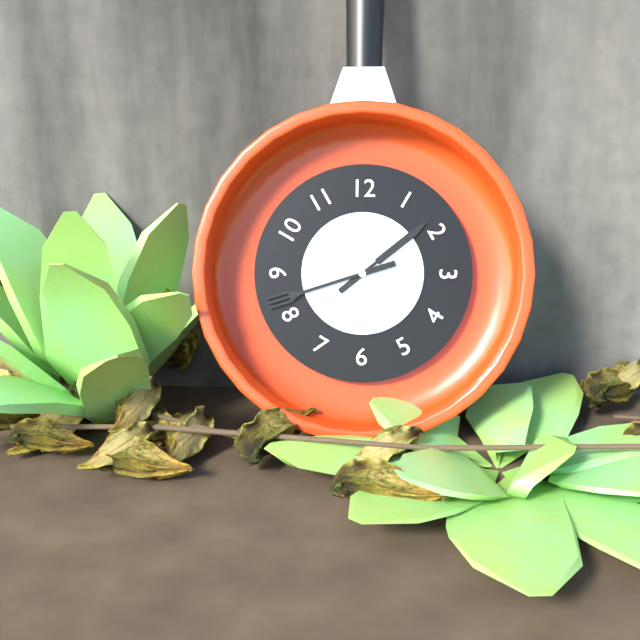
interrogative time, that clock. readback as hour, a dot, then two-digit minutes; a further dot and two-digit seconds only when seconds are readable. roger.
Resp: 1.42
